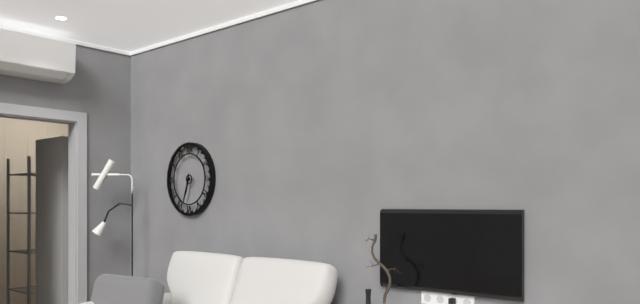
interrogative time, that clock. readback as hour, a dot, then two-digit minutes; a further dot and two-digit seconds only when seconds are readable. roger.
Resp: 6.33
